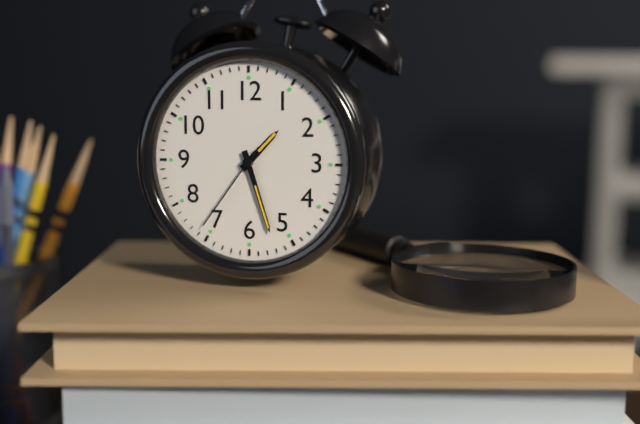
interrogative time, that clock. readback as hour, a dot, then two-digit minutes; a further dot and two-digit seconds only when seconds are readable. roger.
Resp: 1.27.36
